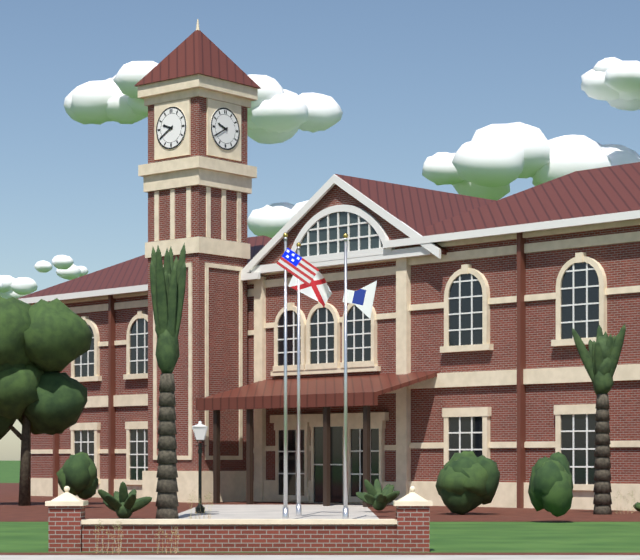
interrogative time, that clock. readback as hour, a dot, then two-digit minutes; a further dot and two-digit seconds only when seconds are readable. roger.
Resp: 9.40
